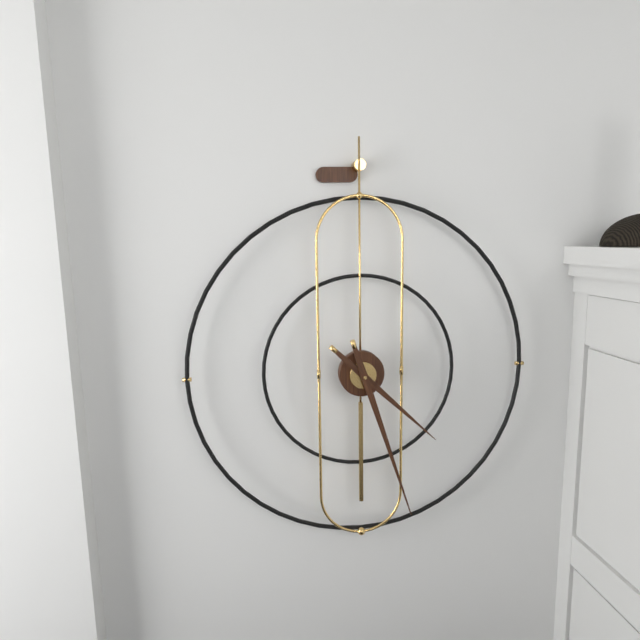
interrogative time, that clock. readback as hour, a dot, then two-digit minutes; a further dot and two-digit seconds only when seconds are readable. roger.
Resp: 4.27
